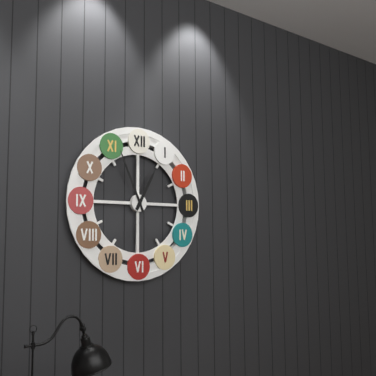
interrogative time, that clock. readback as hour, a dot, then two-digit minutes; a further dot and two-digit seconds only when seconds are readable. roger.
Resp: 12.56
